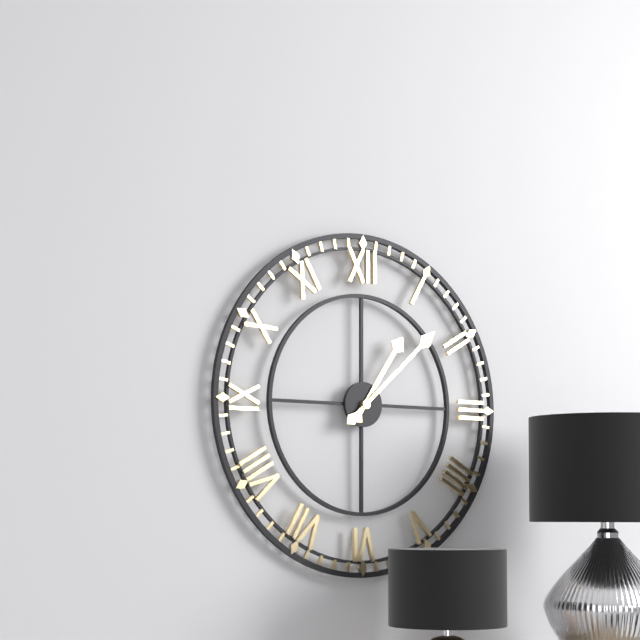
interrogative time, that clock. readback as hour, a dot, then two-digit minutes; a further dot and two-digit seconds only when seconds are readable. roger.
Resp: 1.08
